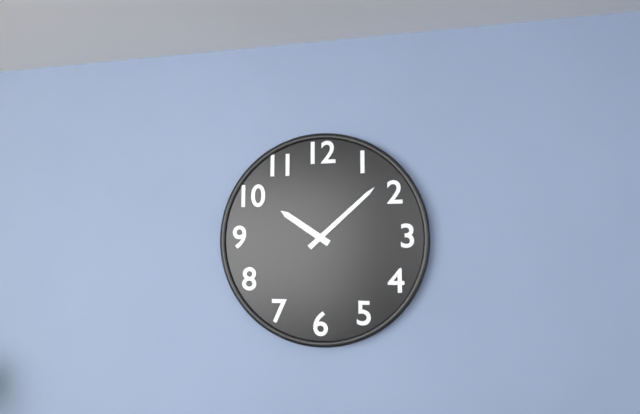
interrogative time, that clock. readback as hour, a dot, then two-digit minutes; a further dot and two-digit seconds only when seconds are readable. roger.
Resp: 10.08
